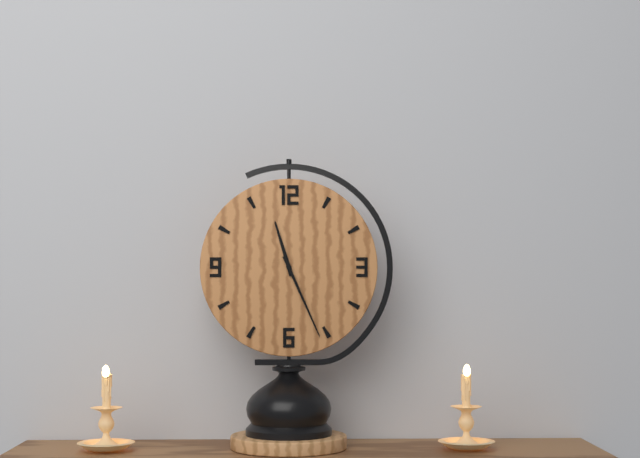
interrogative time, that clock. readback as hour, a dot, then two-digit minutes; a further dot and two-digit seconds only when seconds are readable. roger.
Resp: 11.26
